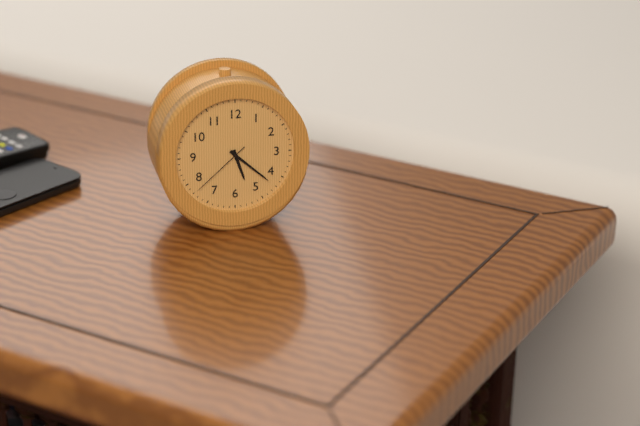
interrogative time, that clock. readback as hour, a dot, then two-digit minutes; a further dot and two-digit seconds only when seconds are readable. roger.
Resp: 5.22.38
